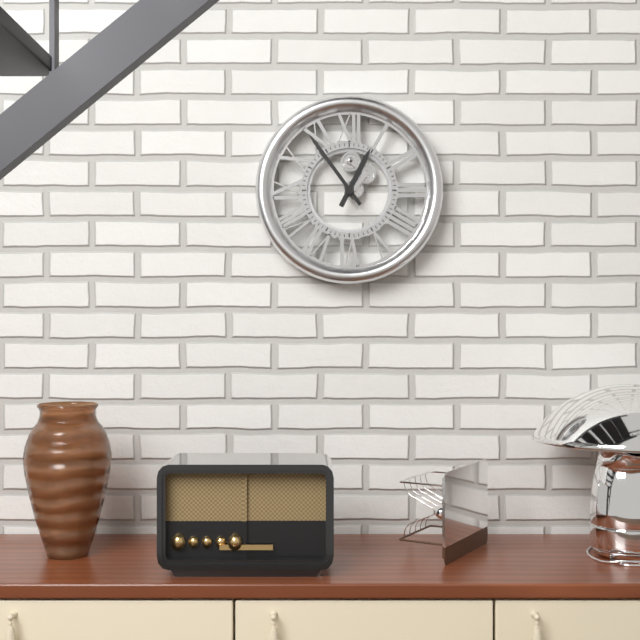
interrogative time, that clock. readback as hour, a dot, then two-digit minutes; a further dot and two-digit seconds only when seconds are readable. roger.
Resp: 12.54
